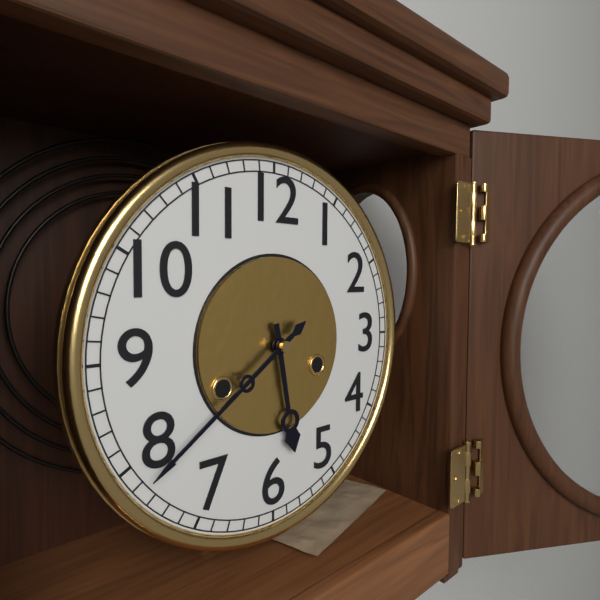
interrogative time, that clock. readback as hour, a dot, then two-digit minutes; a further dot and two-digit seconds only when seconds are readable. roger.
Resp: 5.39
